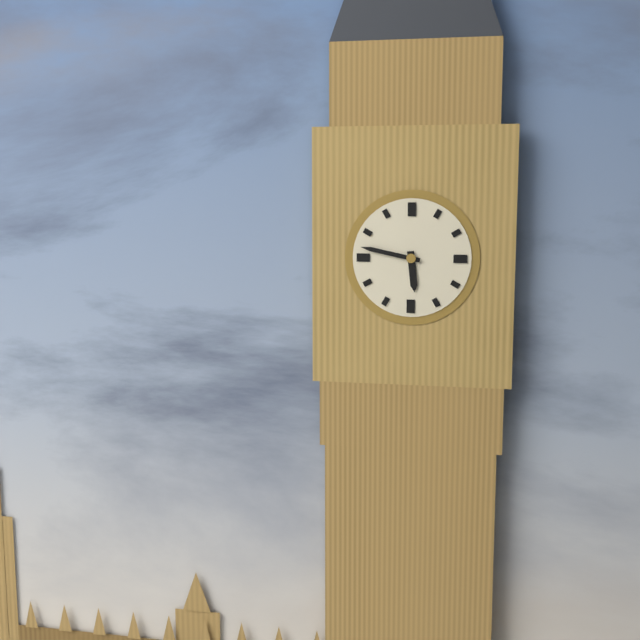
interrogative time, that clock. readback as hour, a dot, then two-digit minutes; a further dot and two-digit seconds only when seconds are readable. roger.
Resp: 5.47
